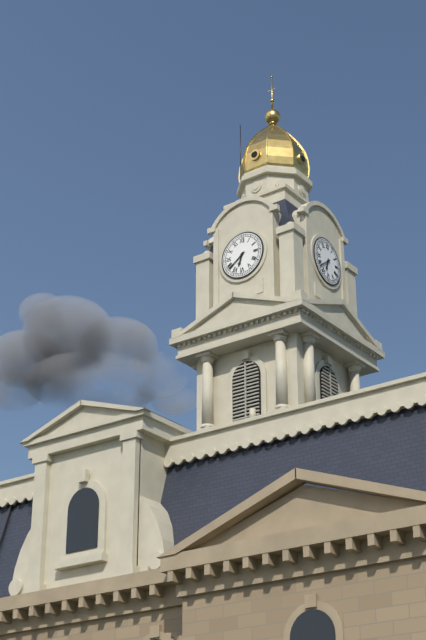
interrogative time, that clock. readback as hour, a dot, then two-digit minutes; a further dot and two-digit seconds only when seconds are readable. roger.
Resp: 6.39
